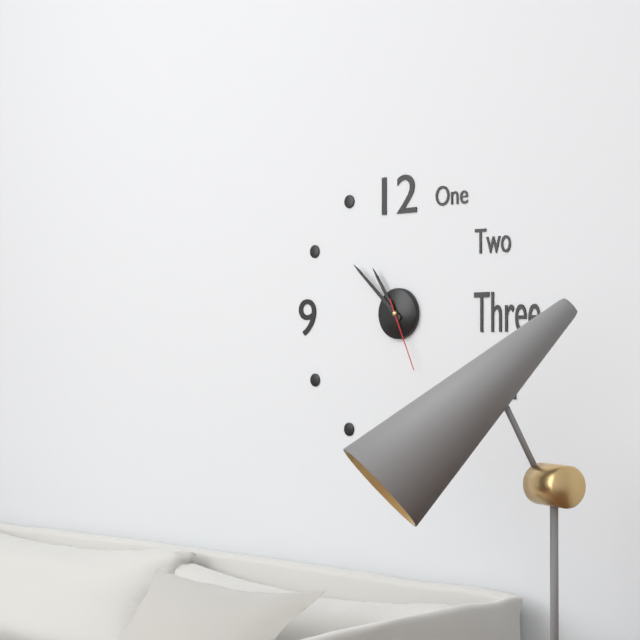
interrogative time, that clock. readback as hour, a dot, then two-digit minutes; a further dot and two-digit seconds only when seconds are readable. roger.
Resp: 10.52.26
